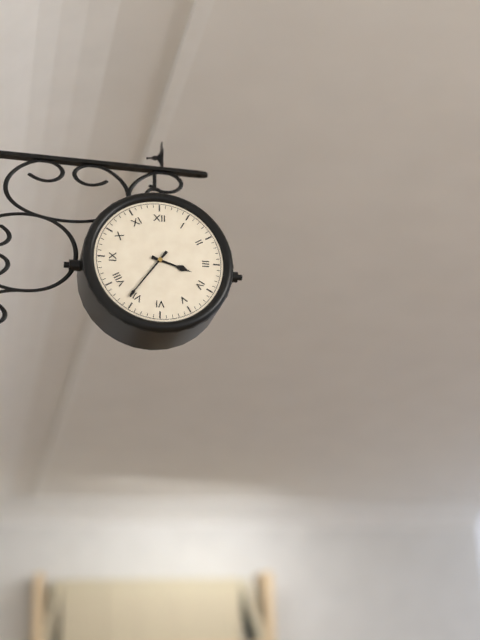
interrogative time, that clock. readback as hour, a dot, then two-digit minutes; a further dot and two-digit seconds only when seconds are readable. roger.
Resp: 3.36
